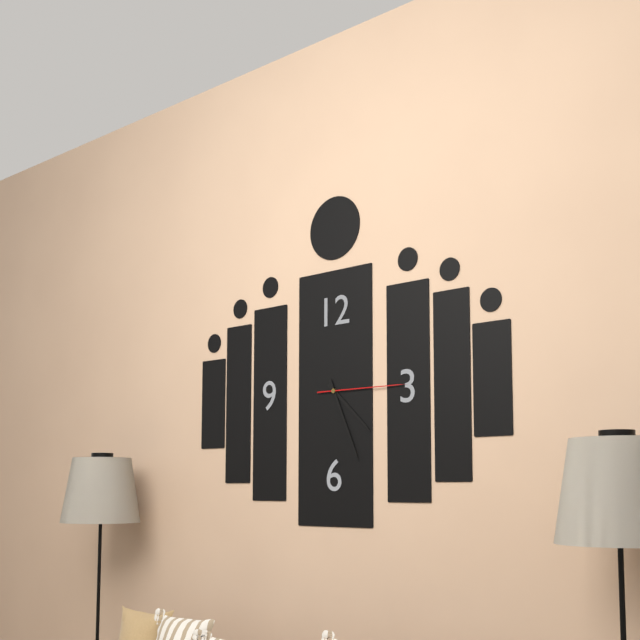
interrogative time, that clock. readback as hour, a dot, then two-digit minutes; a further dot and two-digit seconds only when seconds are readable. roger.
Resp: 4.26.15
